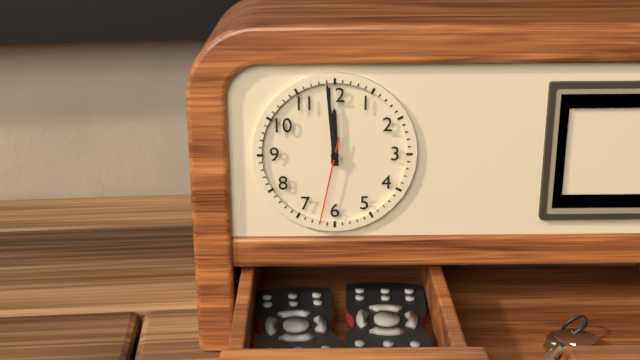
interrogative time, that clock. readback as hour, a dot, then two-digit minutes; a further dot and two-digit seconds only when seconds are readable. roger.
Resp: 11.59.32
